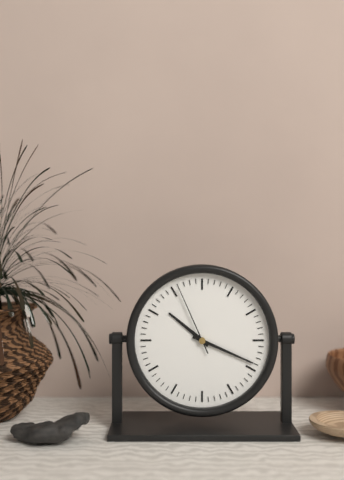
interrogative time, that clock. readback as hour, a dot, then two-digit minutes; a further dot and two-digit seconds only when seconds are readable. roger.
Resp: 10.19.56
